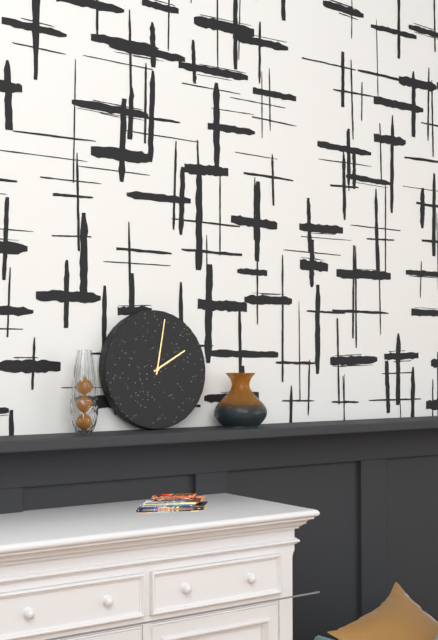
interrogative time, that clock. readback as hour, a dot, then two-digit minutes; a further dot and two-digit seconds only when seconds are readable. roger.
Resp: 2.02
